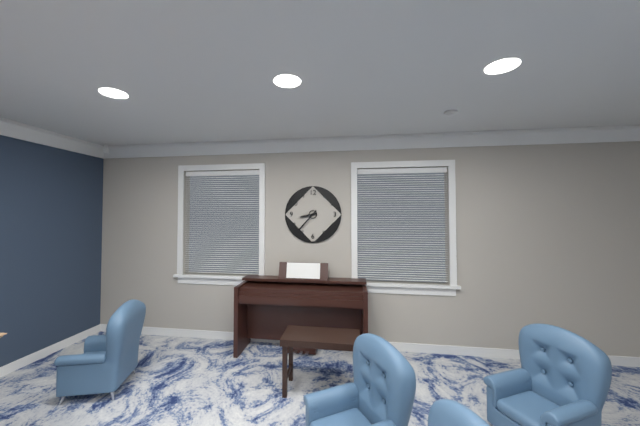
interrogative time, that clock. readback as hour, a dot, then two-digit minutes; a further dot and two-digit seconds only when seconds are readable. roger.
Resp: 8.37
